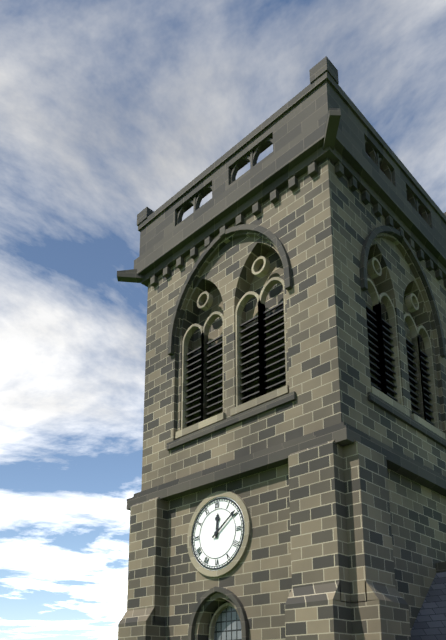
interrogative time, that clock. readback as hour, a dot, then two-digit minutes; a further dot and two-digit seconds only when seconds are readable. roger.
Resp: 12.09
